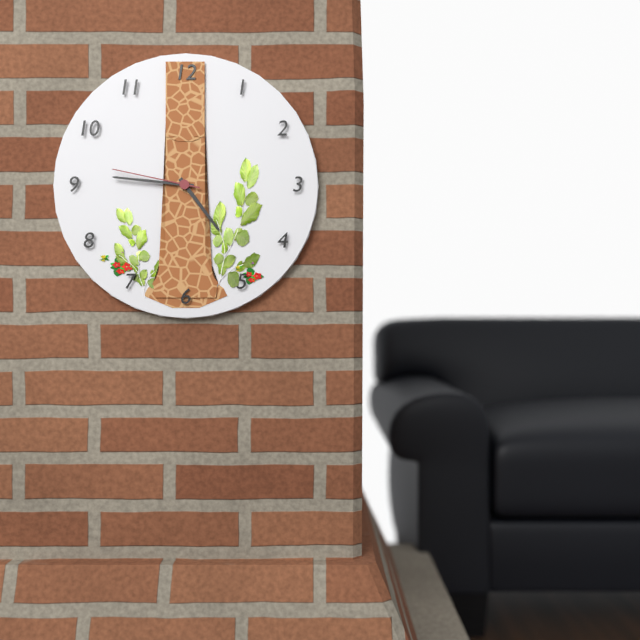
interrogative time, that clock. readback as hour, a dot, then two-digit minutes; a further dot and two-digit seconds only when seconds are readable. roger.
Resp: 4.46.47
